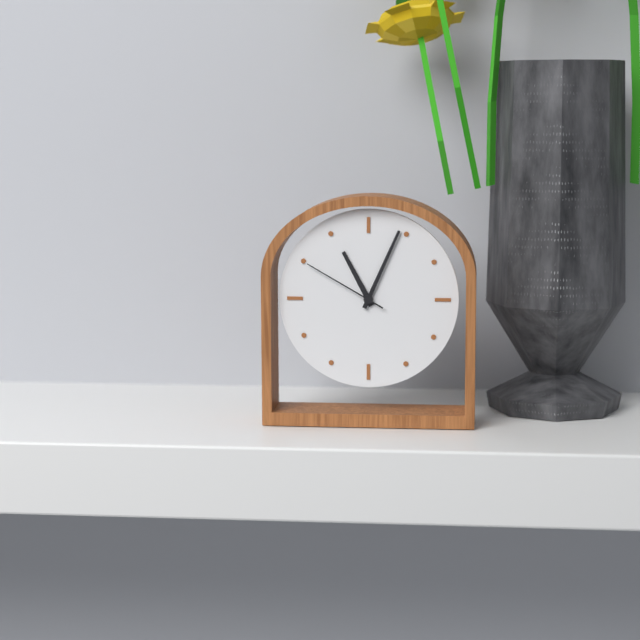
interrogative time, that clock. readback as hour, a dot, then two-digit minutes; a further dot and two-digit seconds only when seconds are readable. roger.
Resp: 11.04.50
